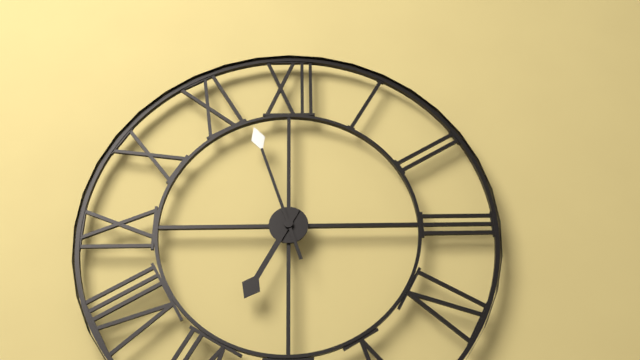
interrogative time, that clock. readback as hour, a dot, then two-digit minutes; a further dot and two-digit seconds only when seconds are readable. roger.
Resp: 6.57
